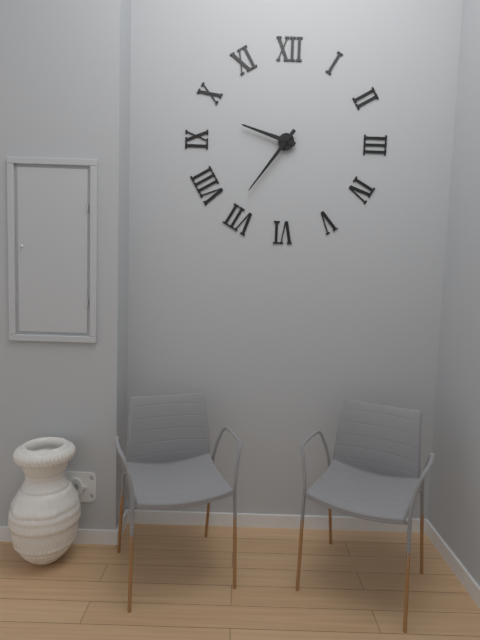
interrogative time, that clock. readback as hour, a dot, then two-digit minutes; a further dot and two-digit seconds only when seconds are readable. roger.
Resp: 9.36
